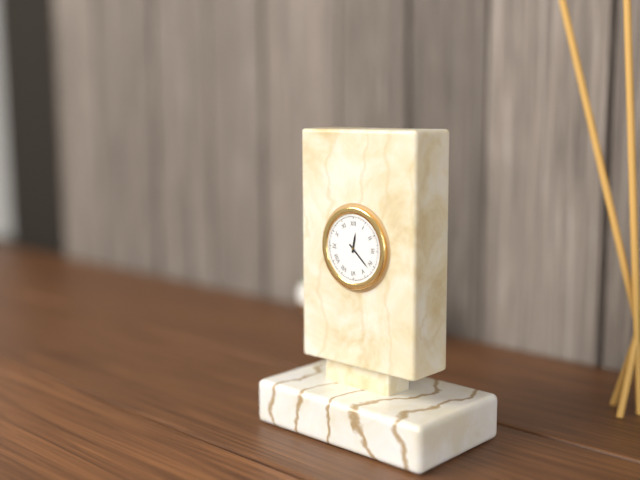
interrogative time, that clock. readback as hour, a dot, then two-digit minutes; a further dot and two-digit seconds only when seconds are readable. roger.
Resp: 12.22
